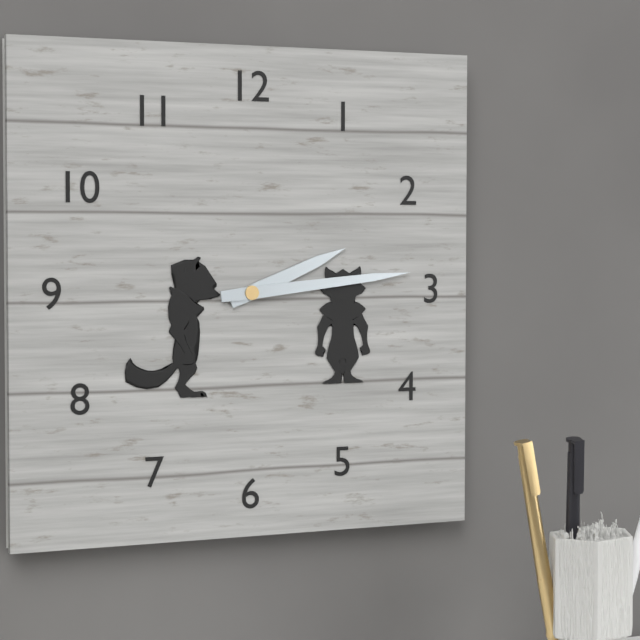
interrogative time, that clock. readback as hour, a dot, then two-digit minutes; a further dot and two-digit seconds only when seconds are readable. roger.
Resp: 2.14
